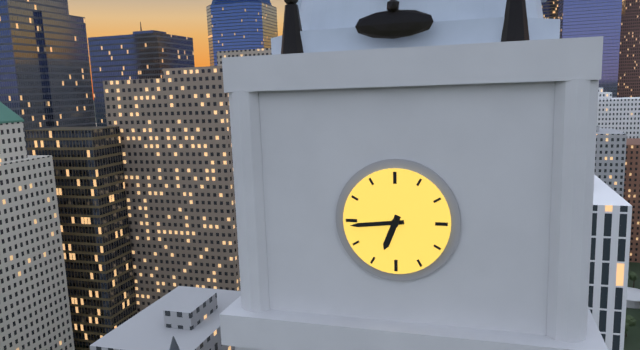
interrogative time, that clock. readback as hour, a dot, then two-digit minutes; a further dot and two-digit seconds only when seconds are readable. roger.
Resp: 6.44
